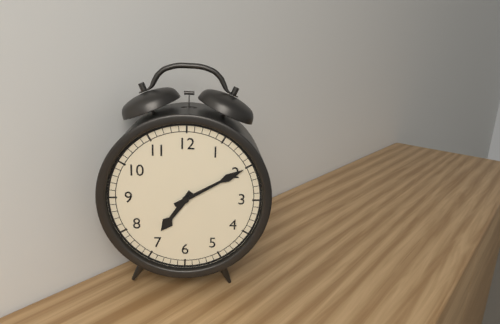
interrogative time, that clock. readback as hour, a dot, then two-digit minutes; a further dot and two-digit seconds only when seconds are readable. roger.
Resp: 7.10
